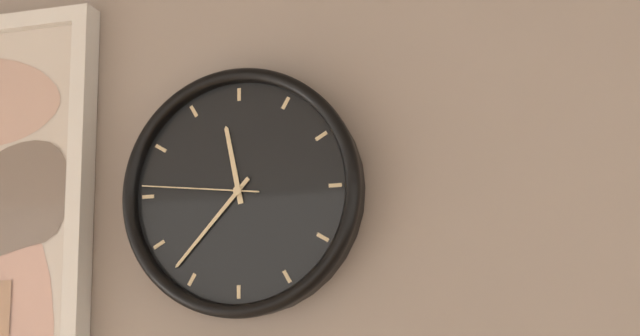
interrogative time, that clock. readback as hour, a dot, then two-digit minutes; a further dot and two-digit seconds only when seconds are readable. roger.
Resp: 11.37.46
